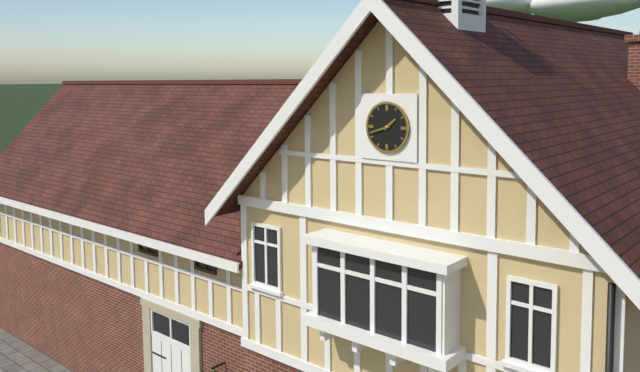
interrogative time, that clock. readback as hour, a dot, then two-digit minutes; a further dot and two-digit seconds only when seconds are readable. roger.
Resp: 1.42
